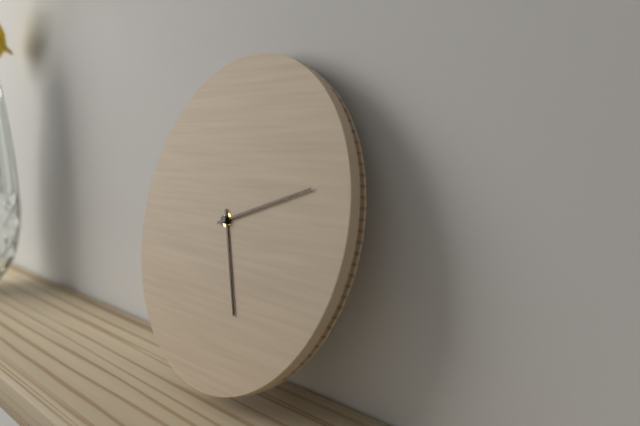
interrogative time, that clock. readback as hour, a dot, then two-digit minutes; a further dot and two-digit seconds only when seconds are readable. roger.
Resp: 5.12
